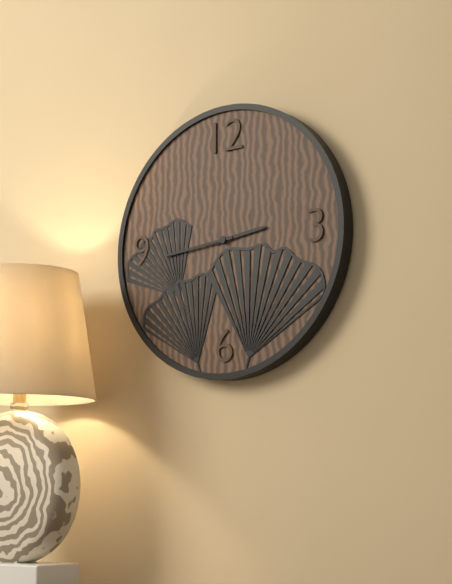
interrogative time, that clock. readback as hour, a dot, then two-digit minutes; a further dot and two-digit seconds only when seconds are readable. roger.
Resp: 2.44
